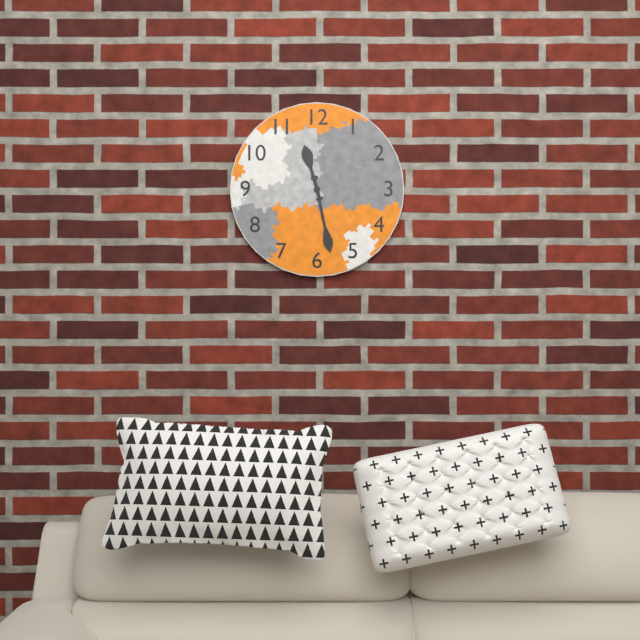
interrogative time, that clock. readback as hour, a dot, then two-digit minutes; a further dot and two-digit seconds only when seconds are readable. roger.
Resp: 11.28
